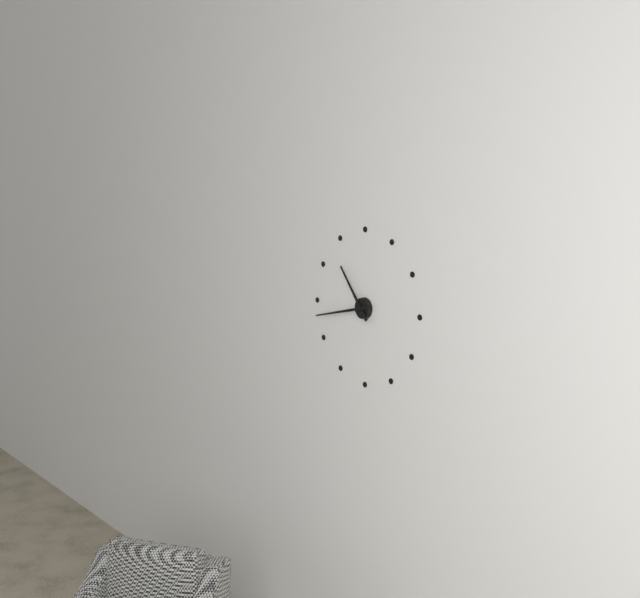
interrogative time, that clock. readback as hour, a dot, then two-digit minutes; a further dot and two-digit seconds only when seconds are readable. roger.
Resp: 10.43
